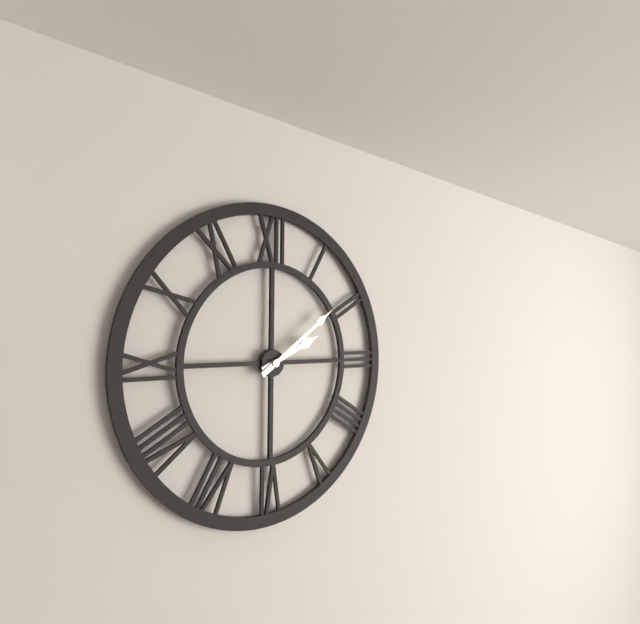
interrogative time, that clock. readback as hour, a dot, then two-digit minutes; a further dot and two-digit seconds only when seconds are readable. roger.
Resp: 2.09
